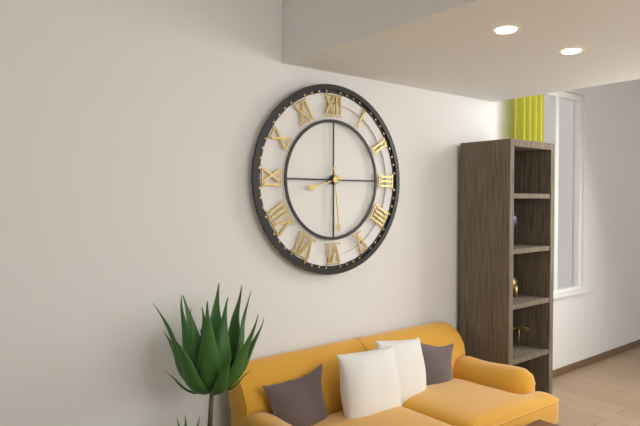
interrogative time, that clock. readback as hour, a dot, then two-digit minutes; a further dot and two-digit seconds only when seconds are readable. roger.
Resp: 8.29
